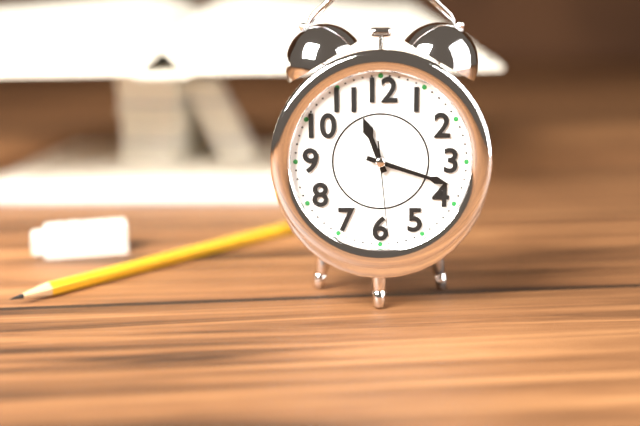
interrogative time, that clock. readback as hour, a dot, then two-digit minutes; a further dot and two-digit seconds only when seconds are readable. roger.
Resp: 11.18.29
